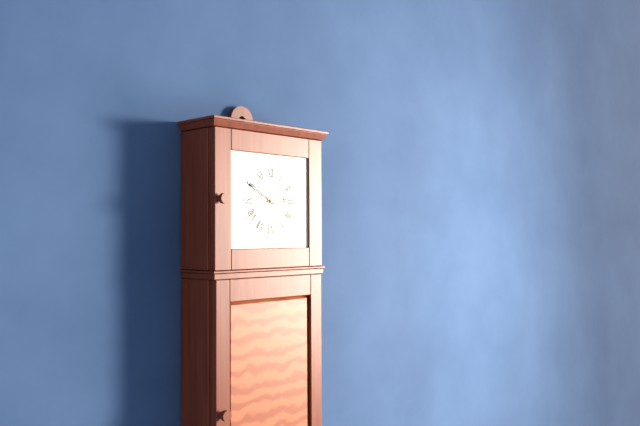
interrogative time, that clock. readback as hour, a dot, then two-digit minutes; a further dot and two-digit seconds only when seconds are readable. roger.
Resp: 2.50
